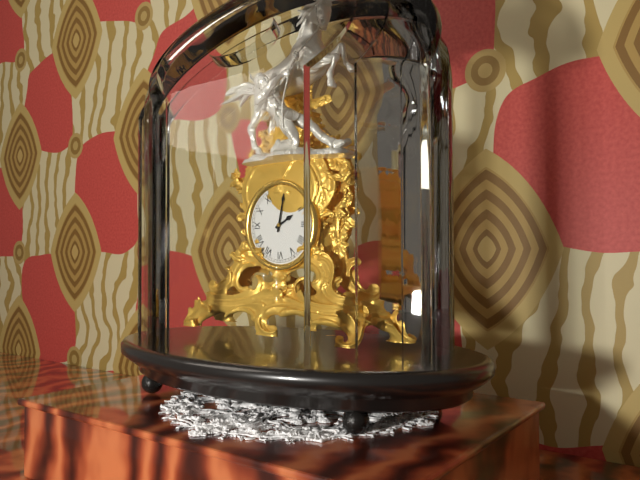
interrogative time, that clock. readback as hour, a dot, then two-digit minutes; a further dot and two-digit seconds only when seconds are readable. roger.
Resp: 2.02
